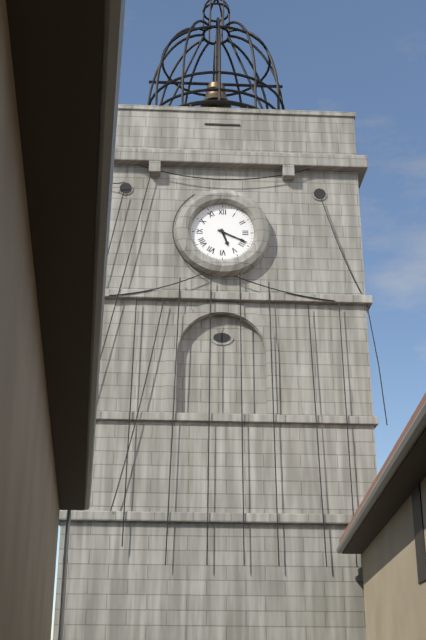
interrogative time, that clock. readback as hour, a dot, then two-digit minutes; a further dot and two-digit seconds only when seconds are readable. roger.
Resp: 5.19
